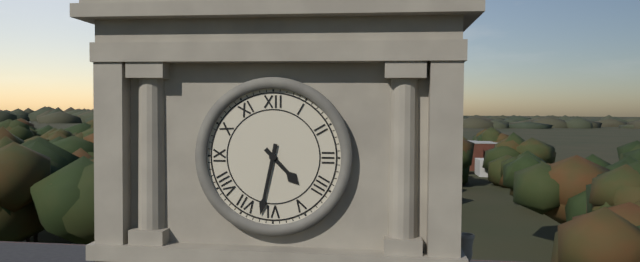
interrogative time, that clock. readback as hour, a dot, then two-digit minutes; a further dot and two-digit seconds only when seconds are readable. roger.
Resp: 4.32
